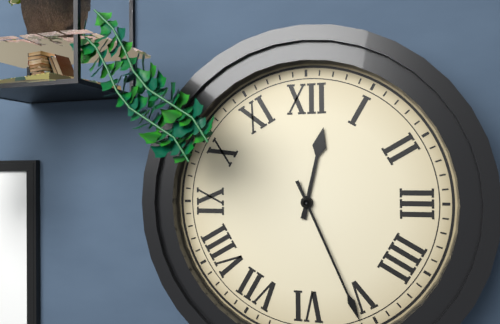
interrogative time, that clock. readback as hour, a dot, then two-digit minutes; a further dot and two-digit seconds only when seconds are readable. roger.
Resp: 12.26
